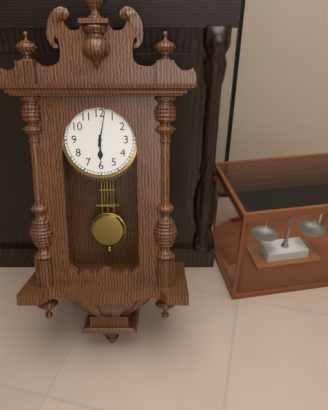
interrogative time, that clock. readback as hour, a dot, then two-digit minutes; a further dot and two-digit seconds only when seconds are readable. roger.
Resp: 6.02
